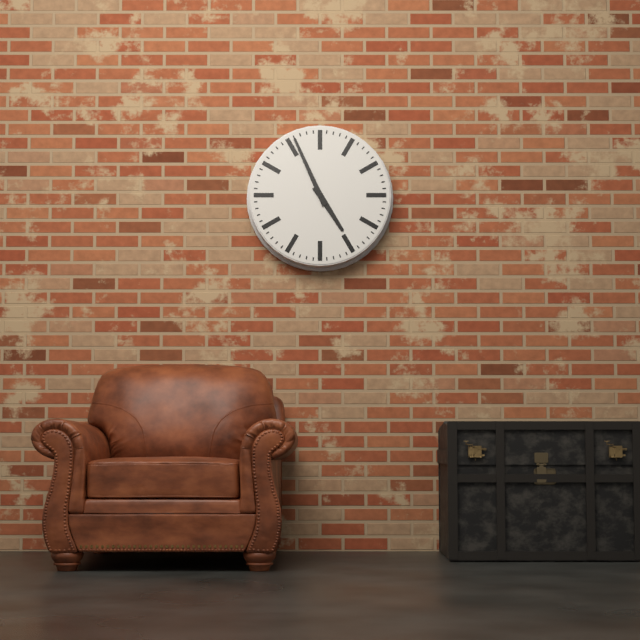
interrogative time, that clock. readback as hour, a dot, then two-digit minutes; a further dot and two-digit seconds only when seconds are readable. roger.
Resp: 4.56
